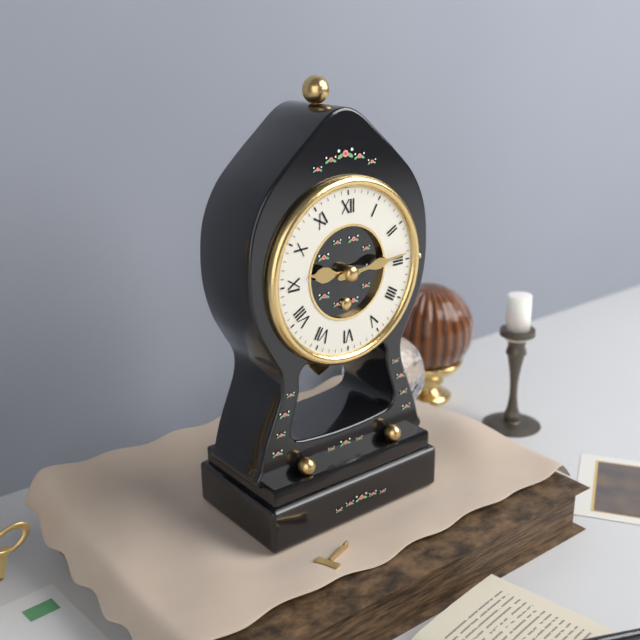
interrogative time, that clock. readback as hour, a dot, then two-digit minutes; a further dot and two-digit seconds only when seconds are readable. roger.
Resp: 9.14
